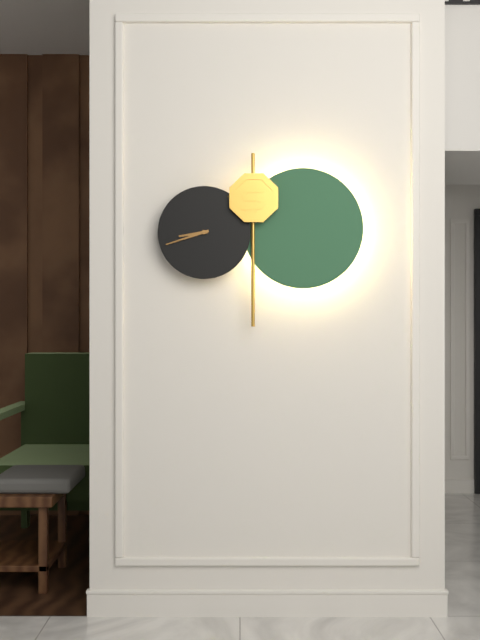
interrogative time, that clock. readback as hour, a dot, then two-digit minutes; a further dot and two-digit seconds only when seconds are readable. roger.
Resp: 8.42
